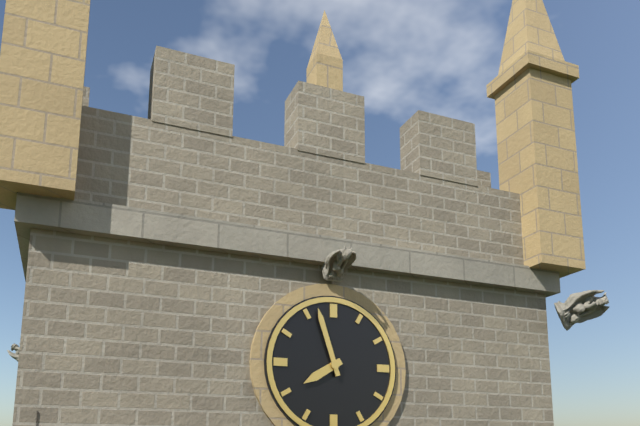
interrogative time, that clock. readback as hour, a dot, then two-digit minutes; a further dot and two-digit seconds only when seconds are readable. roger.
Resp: 7.57
